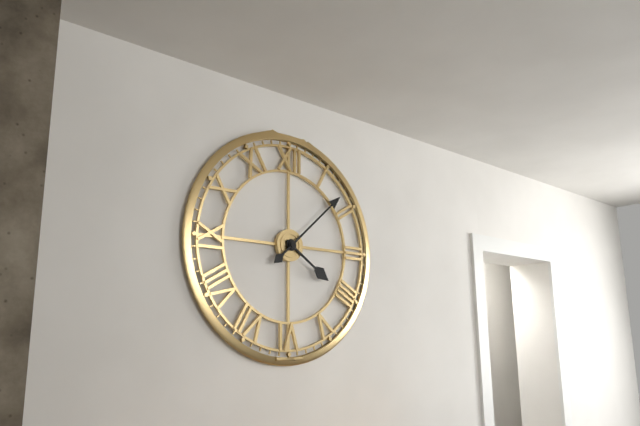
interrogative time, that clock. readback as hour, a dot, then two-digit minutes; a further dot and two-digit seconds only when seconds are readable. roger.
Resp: 4.08
